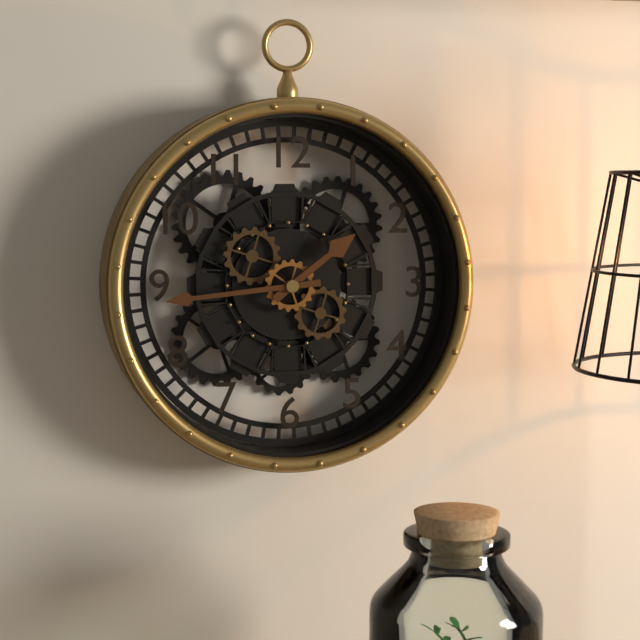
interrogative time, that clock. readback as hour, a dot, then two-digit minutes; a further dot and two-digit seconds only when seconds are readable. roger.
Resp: 1.44
